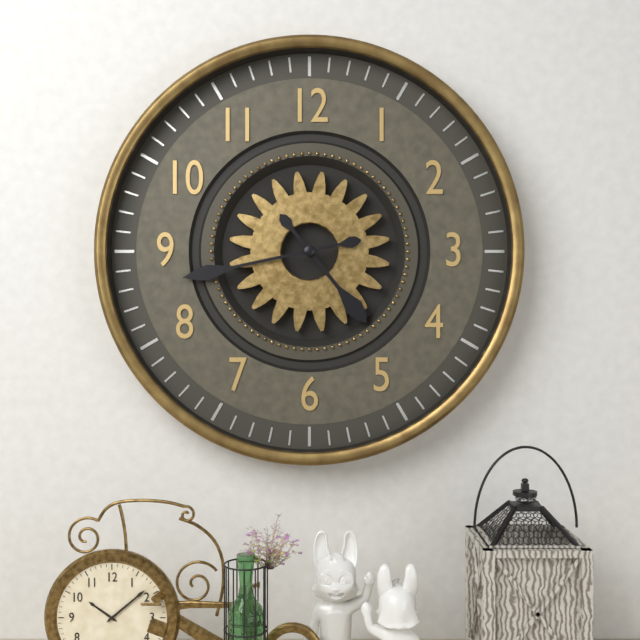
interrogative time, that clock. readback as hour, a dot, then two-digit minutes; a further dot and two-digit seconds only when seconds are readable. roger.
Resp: 4.43
